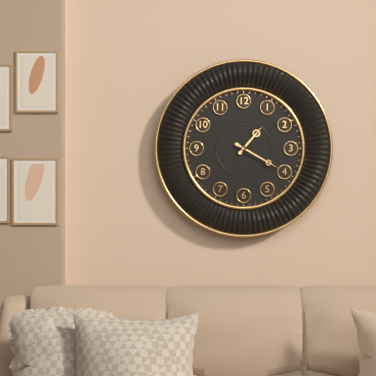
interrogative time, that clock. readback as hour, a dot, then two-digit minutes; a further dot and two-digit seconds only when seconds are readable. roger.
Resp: 1.20
